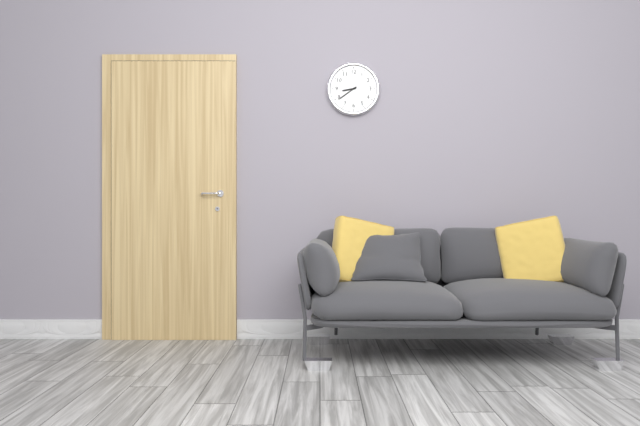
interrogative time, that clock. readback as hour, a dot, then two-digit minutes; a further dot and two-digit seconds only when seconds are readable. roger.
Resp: 8.39
